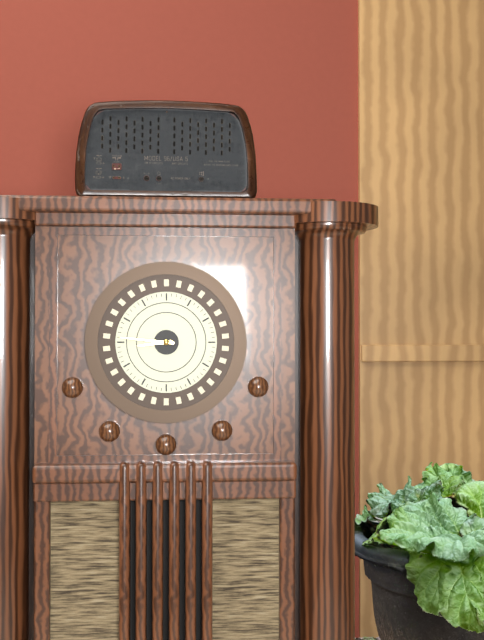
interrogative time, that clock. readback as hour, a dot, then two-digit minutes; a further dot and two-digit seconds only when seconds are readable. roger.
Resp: 8.46
